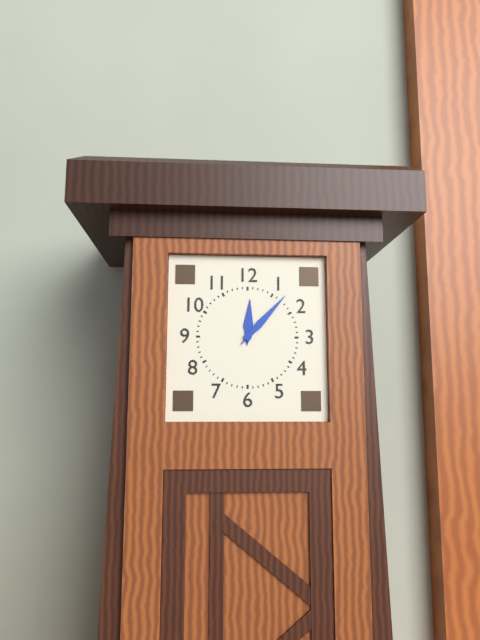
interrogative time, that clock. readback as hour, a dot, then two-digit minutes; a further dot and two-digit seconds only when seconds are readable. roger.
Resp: 12.07
